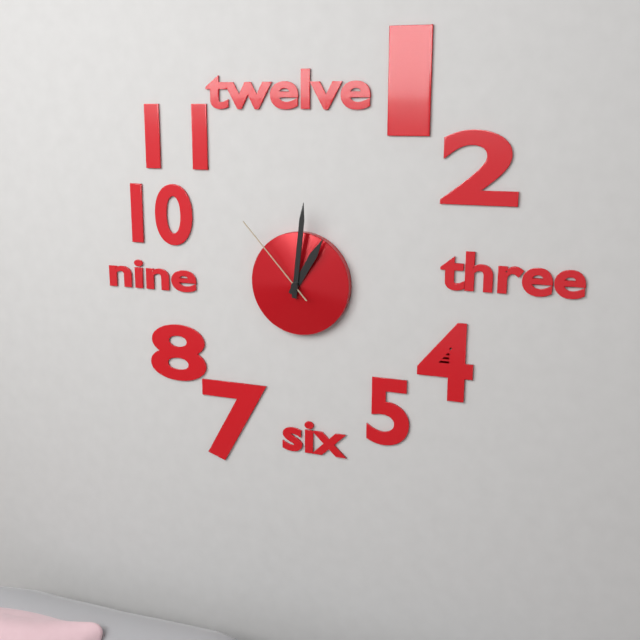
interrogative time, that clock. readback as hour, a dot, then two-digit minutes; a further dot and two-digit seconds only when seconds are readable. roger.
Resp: 1.01.53
